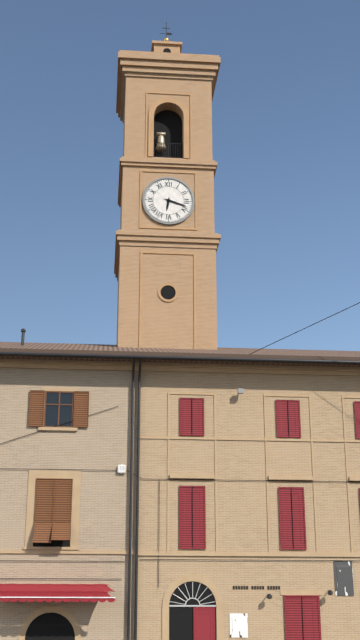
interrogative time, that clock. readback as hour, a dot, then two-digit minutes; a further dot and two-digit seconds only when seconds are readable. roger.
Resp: 6.18
